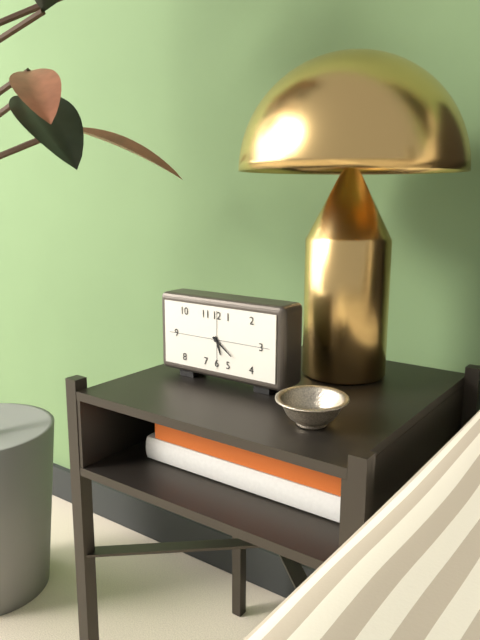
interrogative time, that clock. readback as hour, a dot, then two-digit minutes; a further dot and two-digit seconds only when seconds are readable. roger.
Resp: 5.21
